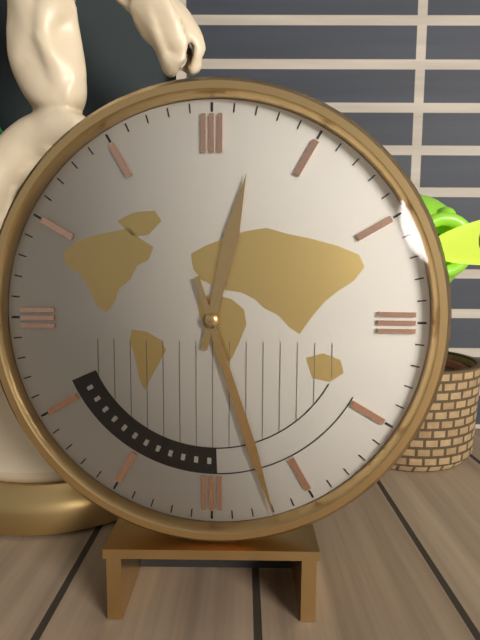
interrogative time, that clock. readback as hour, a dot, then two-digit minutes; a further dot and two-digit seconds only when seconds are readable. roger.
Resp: 12.27
